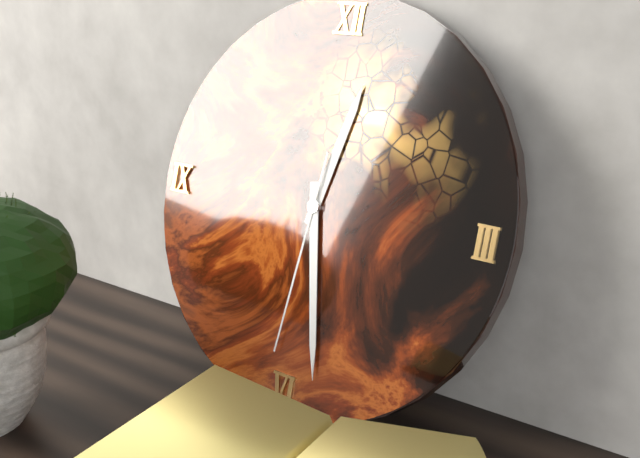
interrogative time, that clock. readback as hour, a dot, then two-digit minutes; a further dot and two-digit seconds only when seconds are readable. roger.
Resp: 12.28.31
